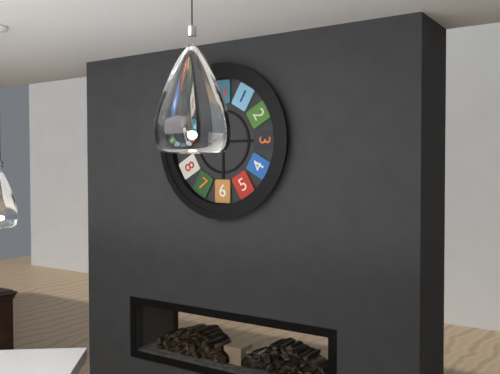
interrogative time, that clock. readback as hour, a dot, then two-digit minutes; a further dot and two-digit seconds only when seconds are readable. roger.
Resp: 9.56
